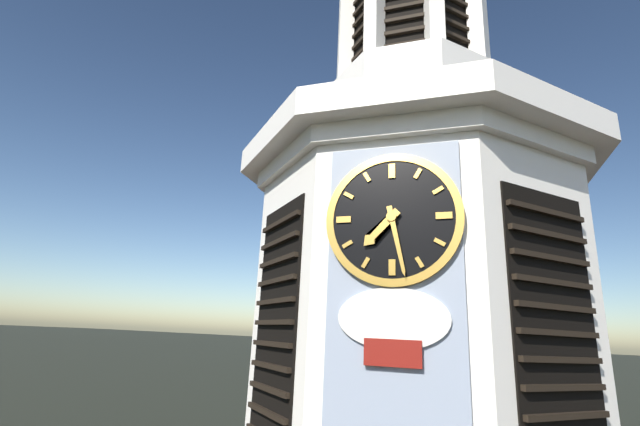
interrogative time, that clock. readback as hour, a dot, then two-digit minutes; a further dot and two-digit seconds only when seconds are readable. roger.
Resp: 7.28
